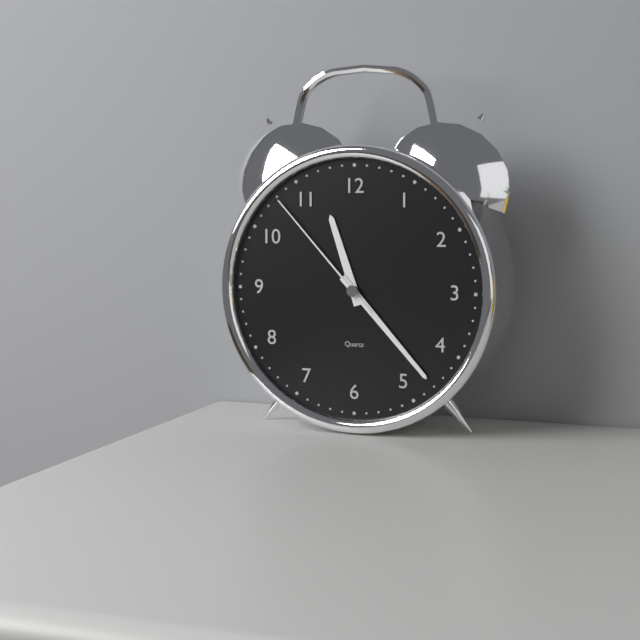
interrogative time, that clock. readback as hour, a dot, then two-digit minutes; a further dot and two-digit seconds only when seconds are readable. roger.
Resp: 11.23.53
